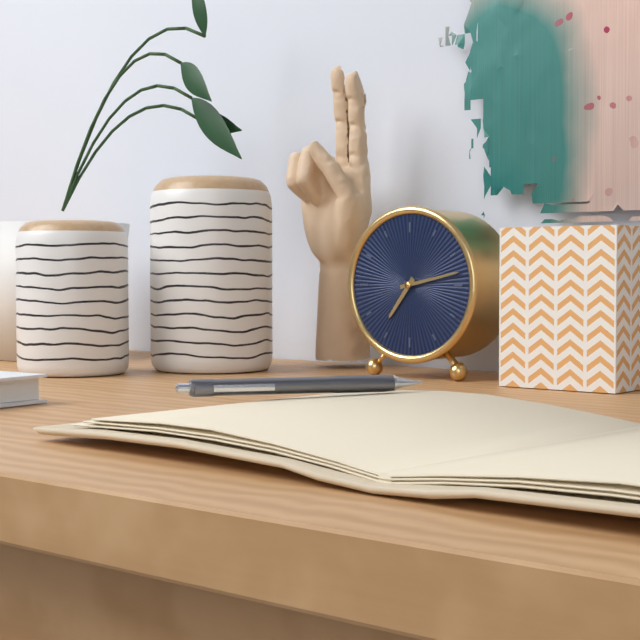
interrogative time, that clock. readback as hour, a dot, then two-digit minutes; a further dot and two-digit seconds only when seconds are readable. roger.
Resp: 7.13
